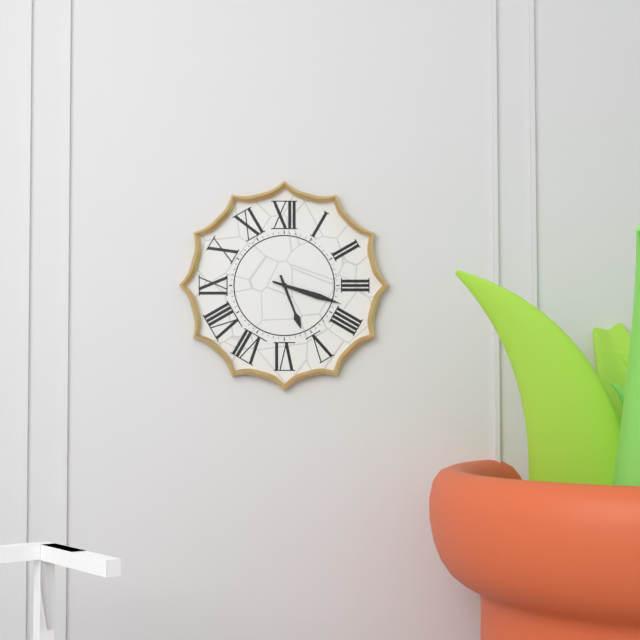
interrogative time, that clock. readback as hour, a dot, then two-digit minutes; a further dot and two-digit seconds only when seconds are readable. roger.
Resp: 5.18
